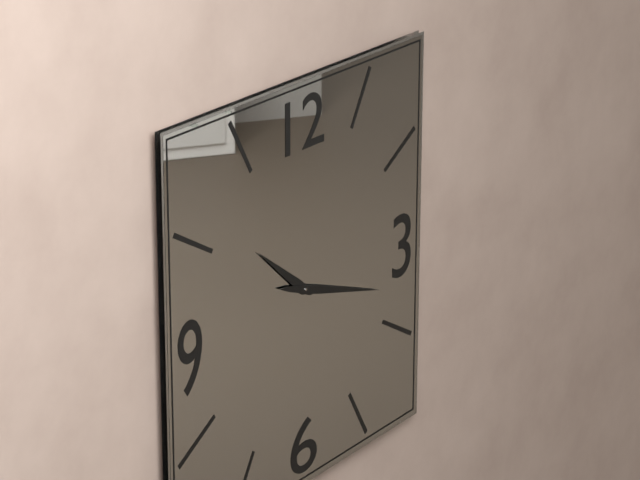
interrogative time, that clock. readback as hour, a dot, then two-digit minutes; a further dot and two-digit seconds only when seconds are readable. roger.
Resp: 10.18
